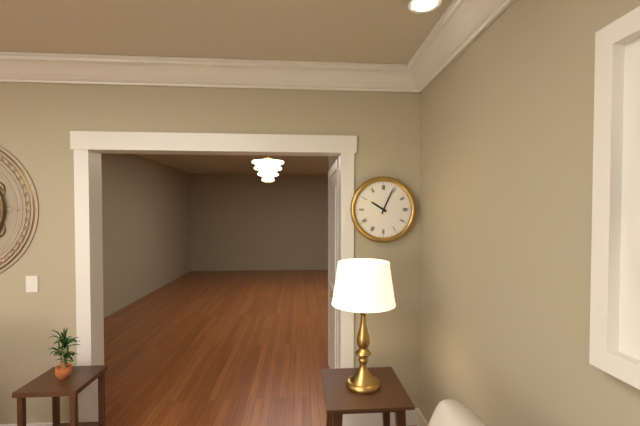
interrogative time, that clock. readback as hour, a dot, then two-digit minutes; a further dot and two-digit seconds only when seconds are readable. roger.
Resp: 10.04
